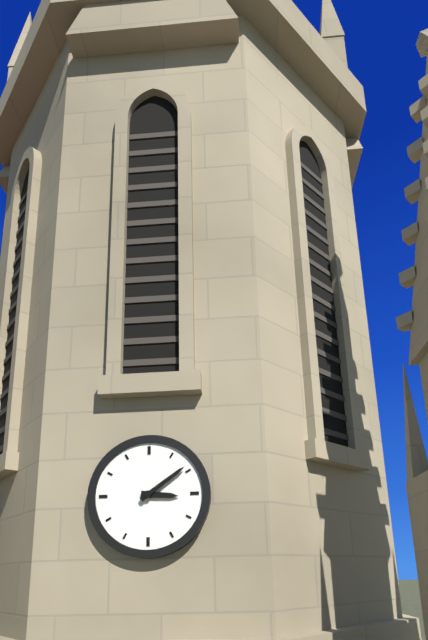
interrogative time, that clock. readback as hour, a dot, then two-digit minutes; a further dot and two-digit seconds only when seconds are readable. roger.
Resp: 3.09
